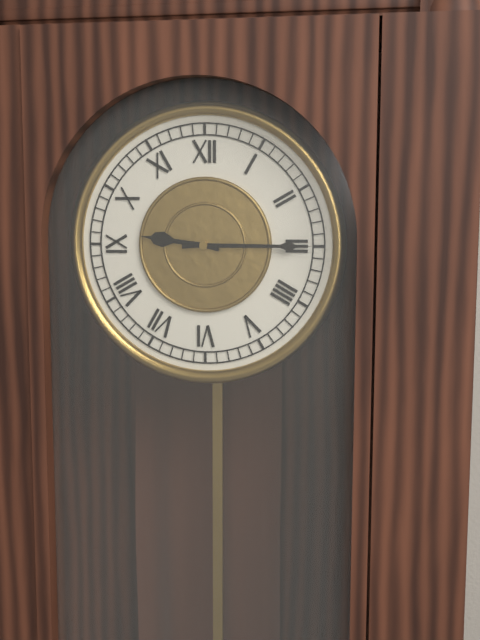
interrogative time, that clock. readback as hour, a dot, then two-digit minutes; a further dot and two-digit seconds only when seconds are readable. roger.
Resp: 9.15
